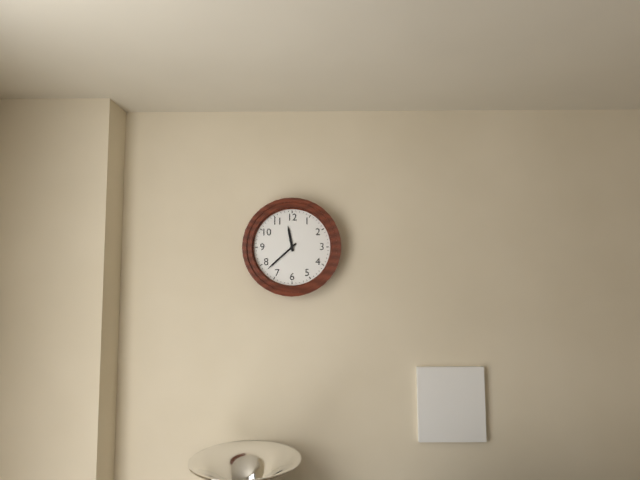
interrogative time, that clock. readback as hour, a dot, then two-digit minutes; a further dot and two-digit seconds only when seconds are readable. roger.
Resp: 11.38
